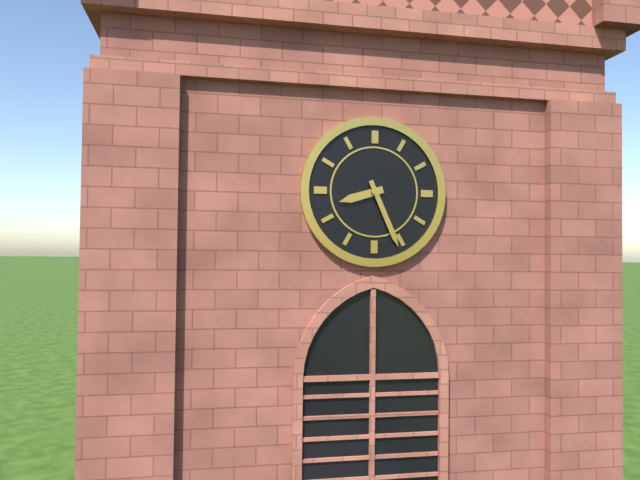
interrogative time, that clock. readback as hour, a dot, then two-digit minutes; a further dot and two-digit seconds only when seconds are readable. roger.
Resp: 8.26
